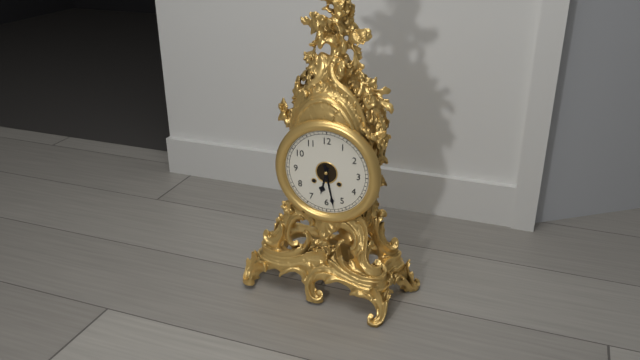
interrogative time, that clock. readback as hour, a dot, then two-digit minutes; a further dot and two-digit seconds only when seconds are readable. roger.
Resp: 6.28
